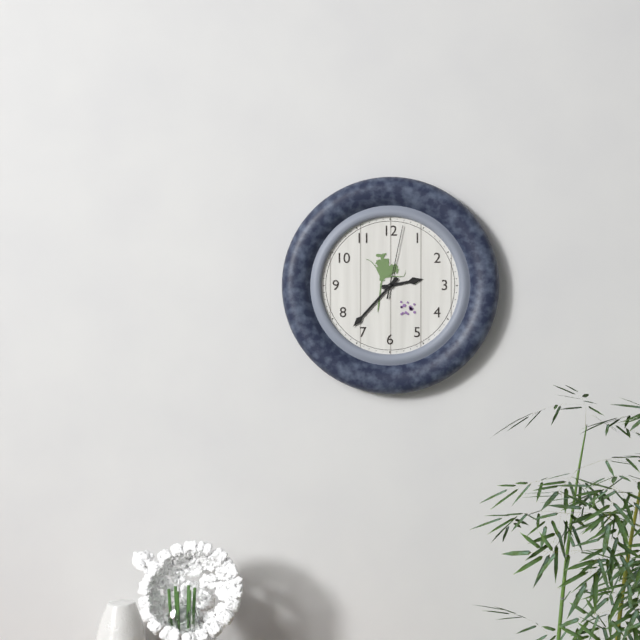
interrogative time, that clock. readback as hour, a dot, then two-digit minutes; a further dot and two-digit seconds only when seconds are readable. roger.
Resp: 2.37.02
